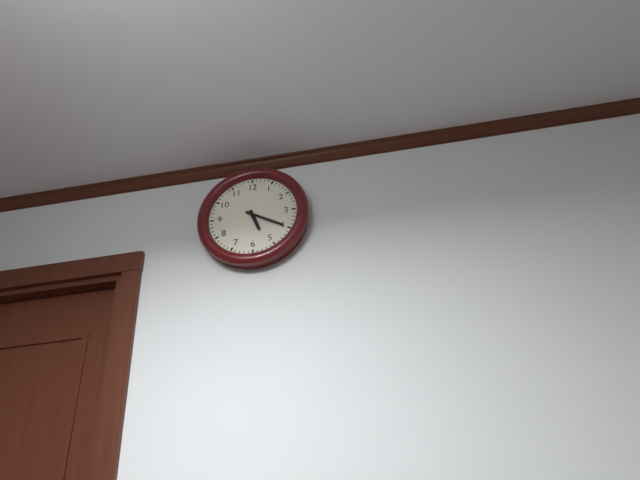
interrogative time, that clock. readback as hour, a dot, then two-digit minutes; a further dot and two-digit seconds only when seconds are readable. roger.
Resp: 5.20
